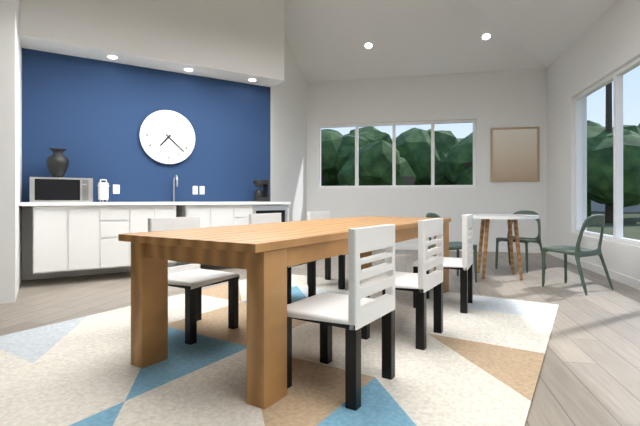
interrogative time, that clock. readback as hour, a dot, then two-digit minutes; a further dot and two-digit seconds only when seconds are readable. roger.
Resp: 7.22
